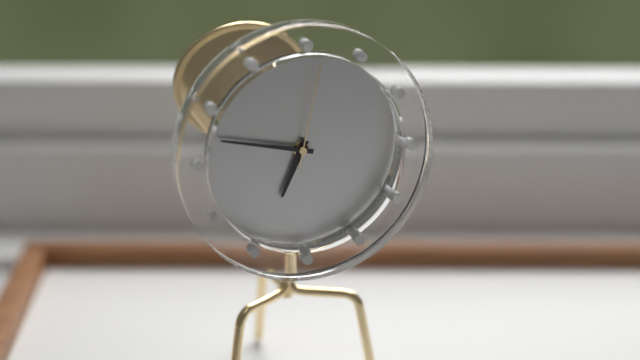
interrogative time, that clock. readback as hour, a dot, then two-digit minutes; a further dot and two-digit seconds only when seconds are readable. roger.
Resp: 6.47.02
